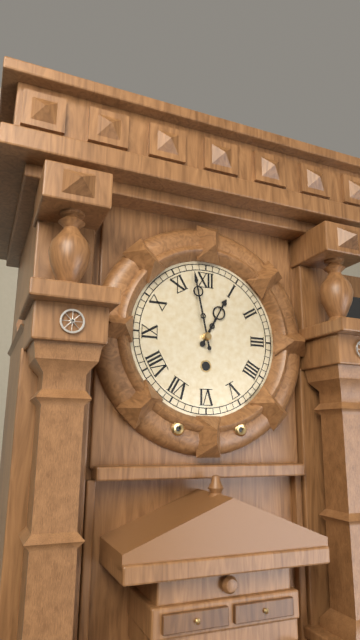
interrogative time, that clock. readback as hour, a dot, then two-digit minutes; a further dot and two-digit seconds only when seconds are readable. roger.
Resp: 12.58
